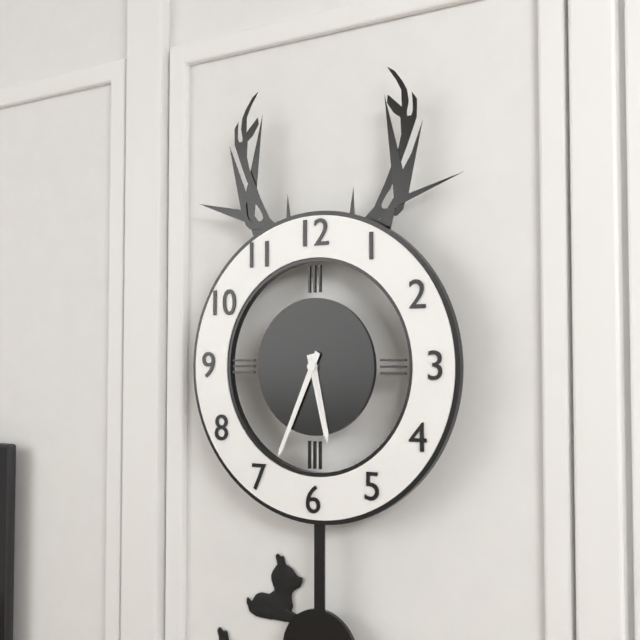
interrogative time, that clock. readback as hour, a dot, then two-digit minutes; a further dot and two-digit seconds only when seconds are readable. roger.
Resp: 5.34.28
